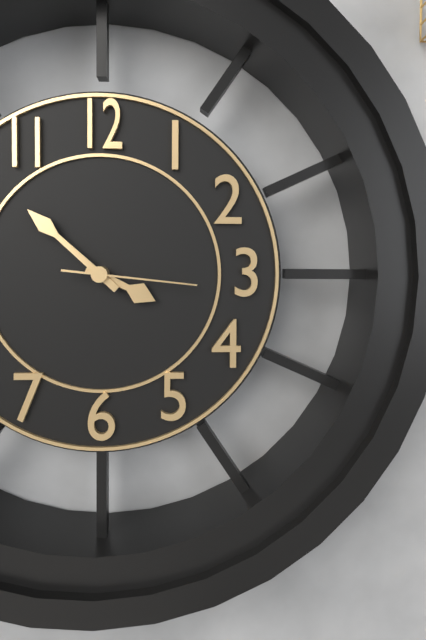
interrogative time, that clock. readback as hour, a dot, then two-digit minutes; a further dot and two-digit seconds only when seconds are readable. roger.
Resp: 3.52.16
